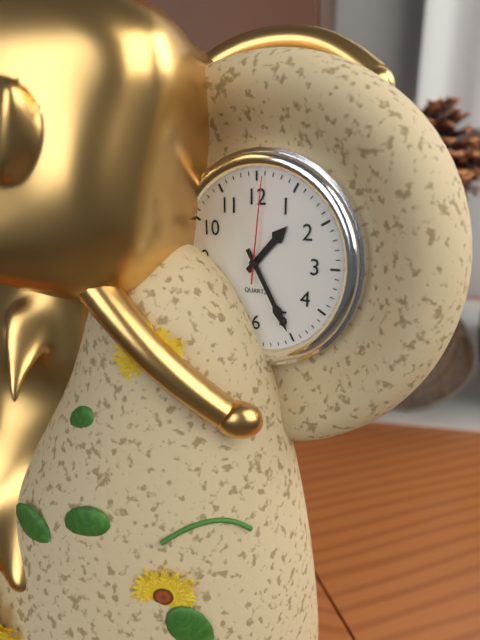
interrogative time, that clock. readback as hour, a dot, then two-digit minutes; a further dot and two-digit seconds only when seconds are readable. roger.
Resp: 1.25.01
